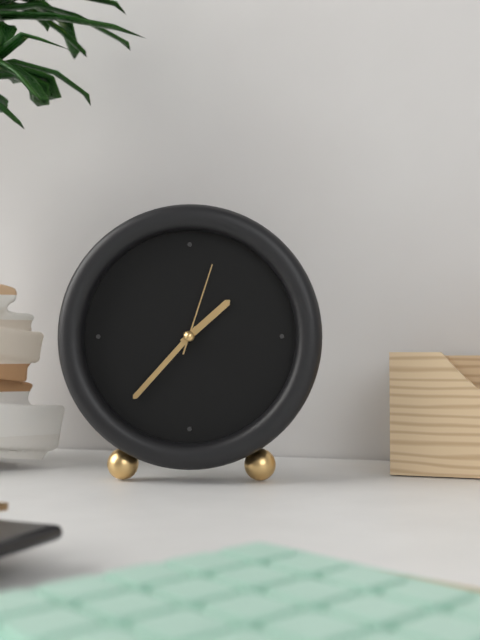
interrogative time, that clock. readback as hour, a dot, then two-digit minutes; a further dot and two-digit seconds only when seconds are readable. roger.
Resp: 1.37.03
